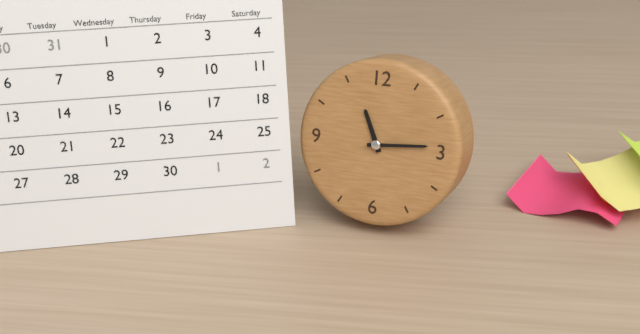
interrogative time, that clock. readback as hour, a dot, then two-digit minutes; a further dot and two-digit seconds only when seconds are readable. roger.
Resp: 11.14
